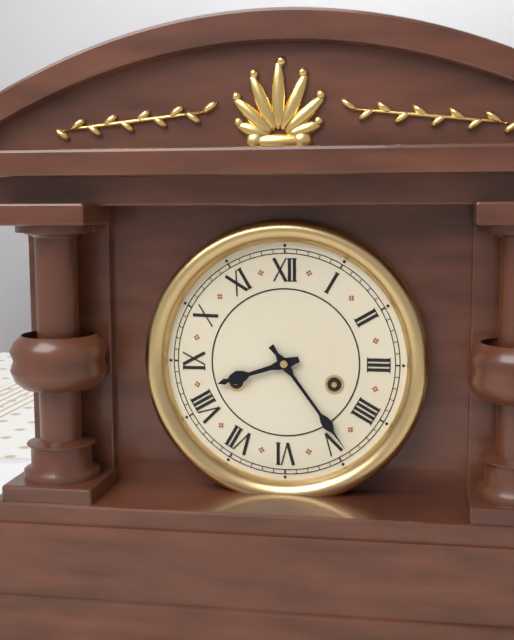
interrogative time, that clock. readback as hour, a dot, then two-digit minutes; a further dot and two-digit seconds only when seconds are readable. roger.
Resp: 8.24
